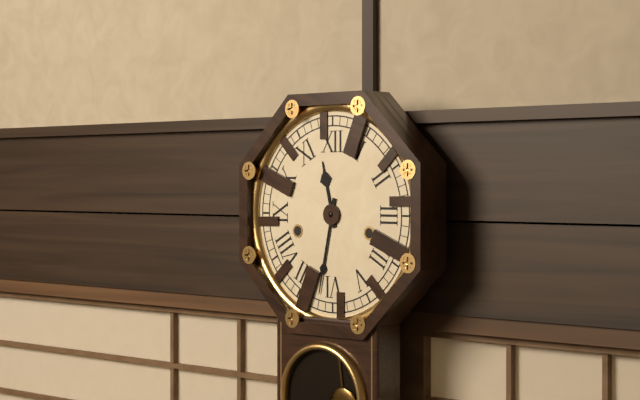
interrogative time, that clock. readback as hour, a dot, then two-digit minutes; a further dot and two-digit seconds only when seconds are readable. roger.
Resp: 11.32
